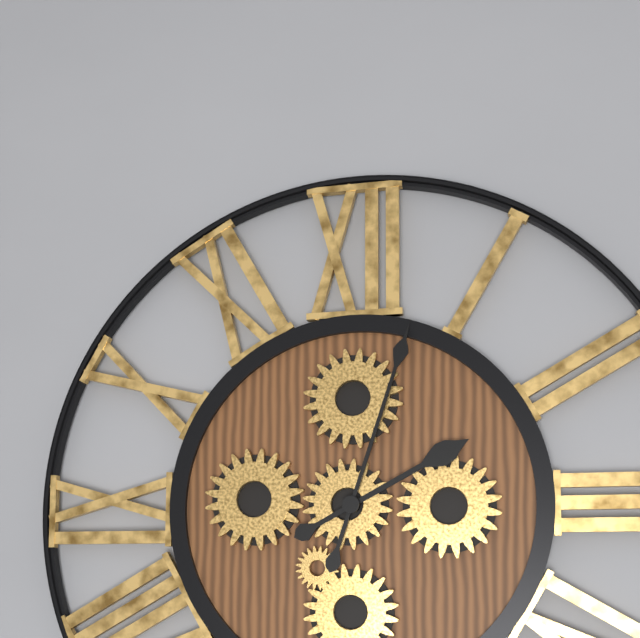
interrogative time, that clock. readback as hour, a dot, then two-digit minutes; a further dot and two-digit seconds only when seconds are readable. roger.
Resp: 2.03
